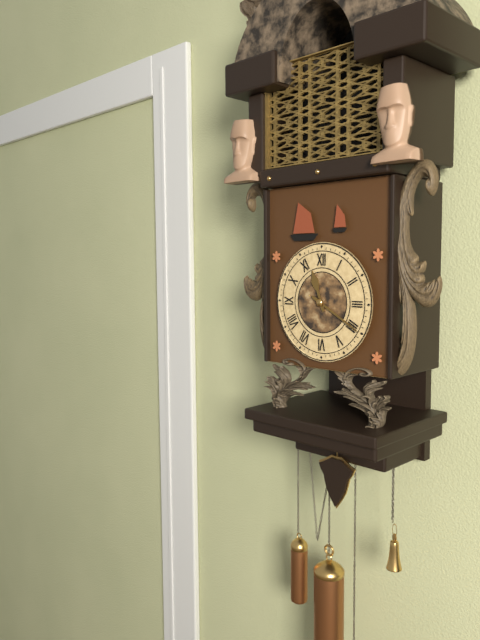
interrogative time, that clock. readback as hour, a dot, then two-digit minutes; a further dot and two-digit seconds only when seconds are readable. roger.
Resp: 11.20
